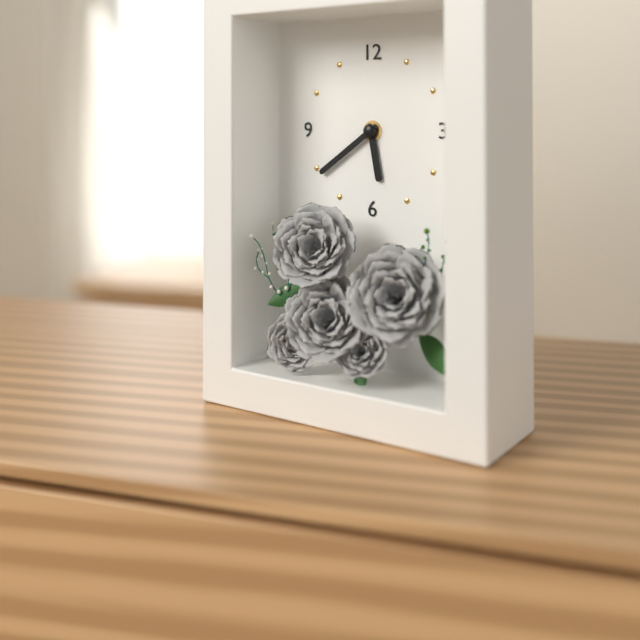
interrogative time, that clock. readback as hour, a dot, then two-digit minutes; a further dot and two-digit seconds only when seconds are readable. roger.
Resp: 5.39
